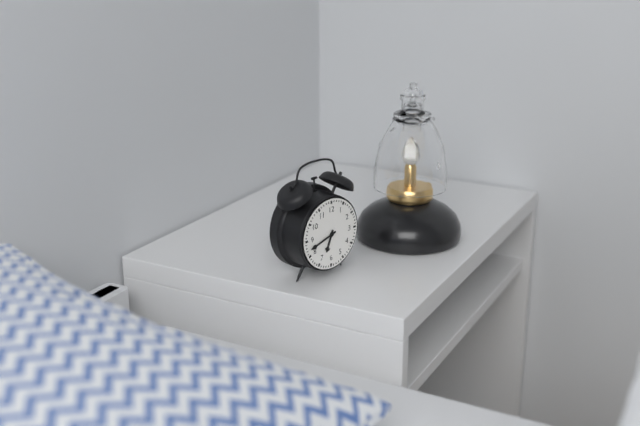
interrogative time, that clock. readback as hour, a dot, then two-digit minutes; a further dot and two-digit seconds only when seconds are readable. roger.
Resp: 6.42
